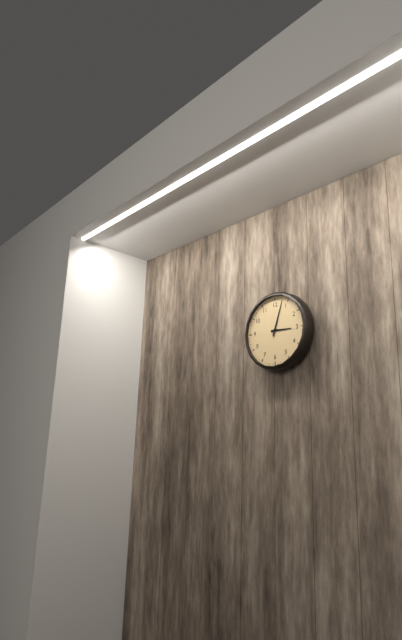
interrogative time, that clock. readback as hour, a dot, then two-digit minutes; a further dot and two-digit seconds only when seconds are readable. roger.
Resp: 3.03
